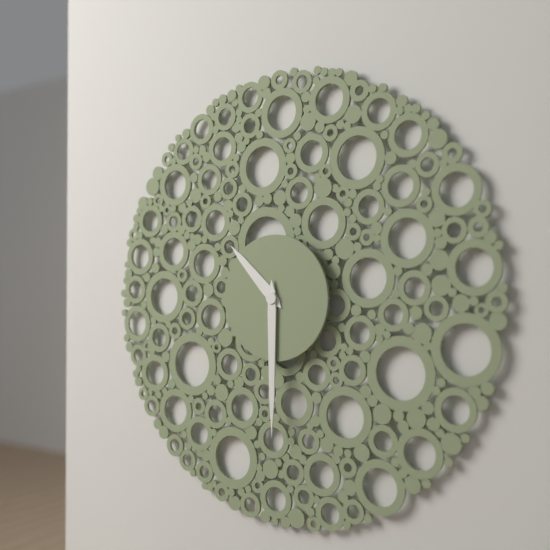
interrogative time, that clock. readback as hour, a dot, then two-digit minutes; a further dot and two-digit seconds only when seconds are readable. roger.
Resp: 10.30
